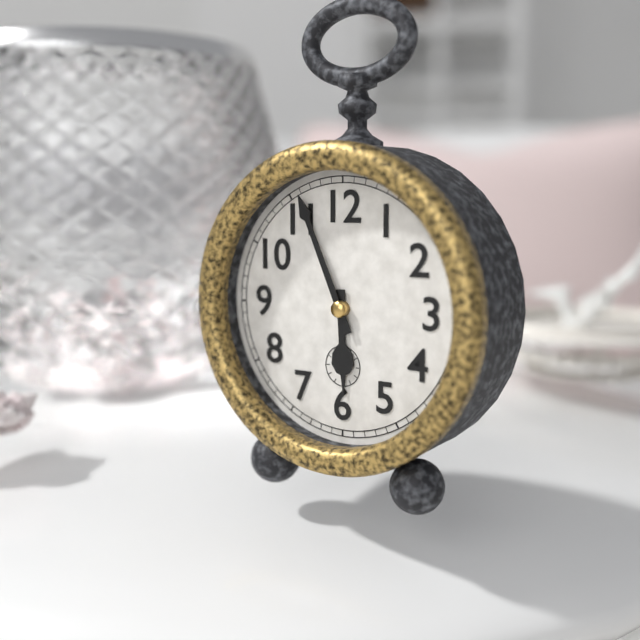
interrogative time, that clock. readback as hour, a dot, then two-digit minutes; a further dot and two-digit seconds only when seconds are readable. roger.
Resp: 5.56
